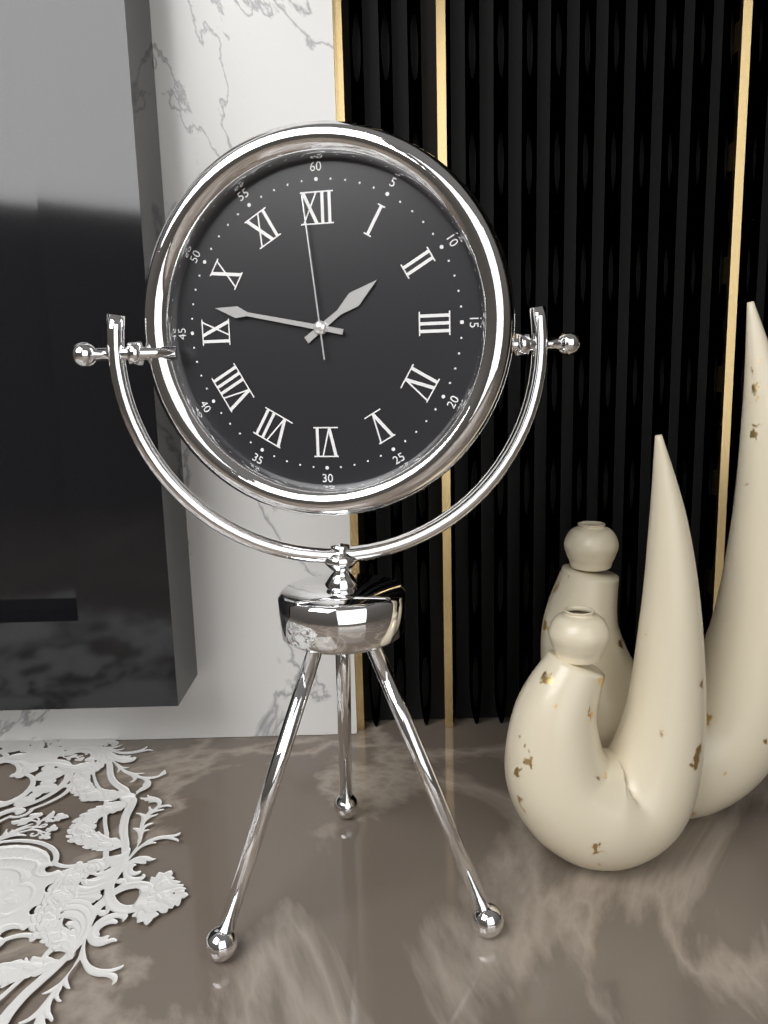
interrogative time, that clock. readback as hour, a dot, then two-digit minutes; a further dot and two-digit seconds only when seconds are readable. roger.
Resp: 1.47.59
